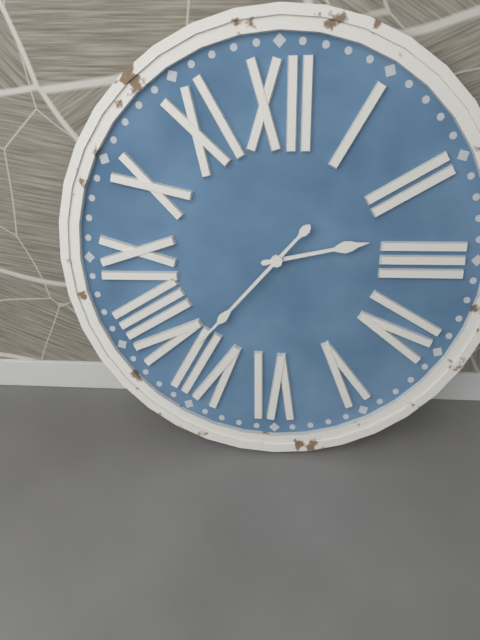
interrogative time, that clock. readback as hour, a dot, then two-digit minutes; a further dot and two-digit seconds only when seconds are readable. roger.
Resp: 2.37
